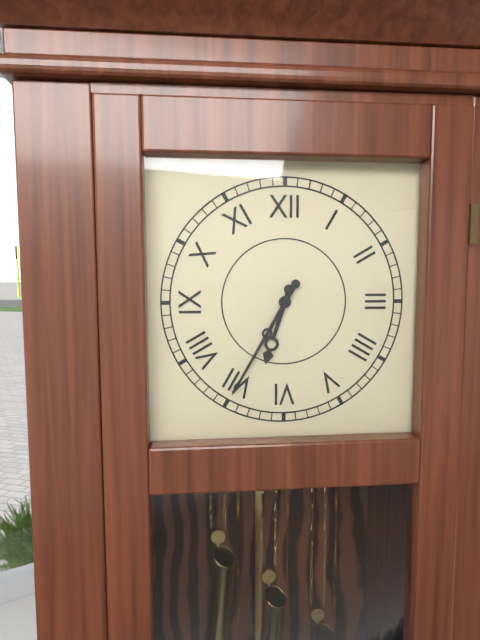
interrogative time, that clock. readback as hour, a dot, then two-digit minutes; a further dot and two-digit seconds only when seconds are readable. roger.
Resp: 6.35
